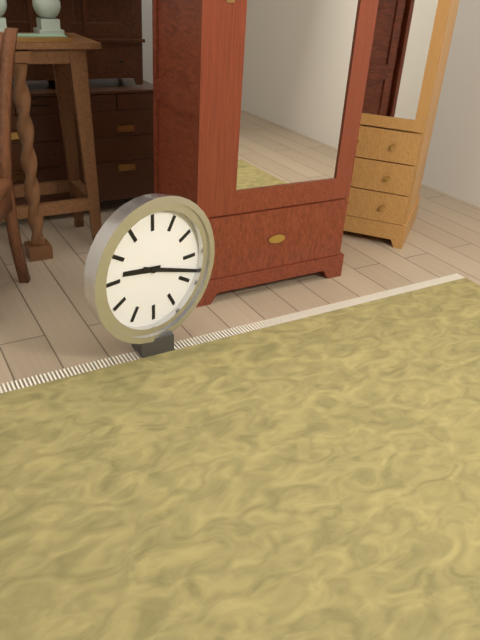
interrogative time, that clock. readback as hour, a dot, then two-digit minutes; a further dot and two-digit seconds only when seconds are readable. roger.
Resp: 9.18
